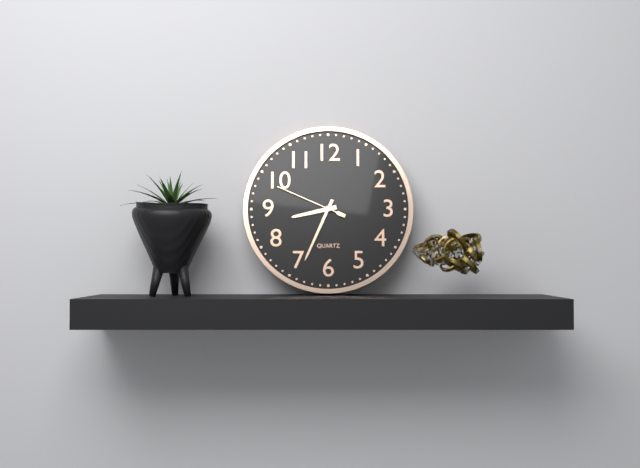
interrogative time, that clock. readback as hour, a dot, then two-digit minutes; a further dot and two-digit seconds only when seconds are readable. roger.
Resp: 8.34.49
